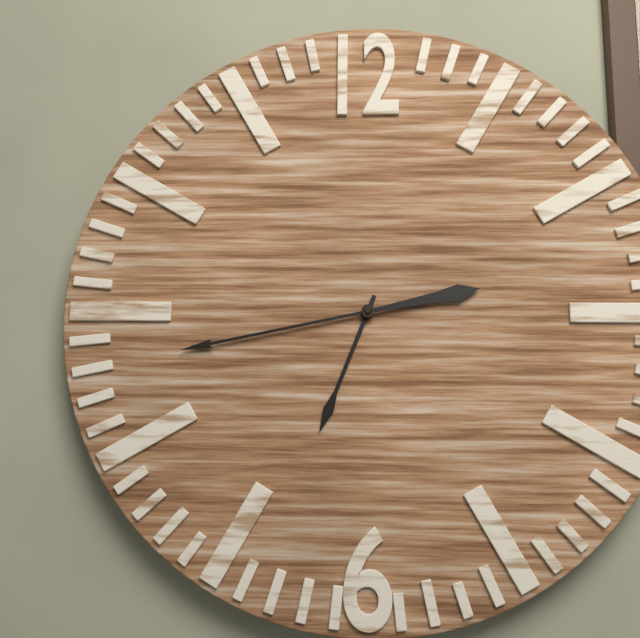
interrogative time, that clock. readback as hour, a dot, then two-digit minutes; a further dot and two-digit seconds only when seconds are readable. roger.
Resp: 6.43
